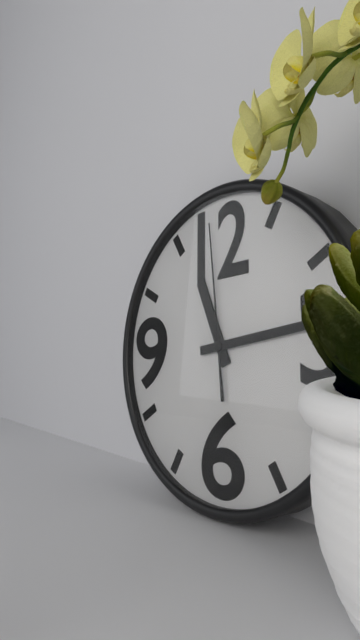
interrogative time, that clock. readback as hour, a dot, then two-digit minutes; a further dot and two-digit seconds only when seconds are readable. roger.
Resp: 11.14.59
